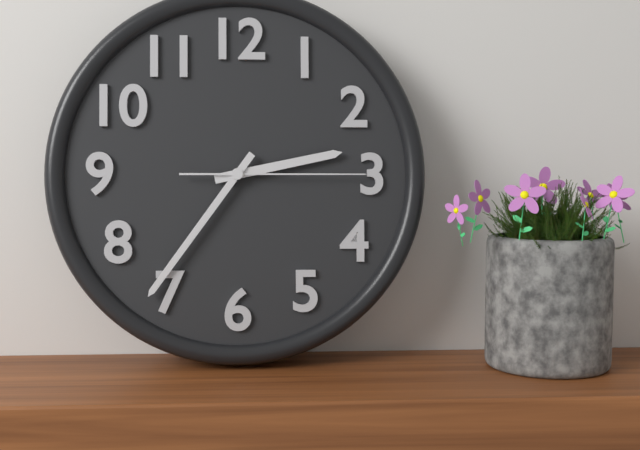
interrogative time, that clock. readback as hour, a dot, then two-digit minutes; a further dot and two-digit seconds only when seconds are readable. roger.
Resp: 2.36.15
